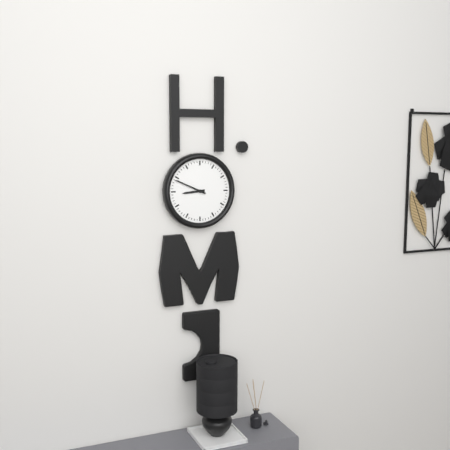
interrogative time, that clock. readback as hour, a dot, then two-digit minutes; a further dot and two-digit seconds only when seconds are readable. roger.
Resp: 8.49
